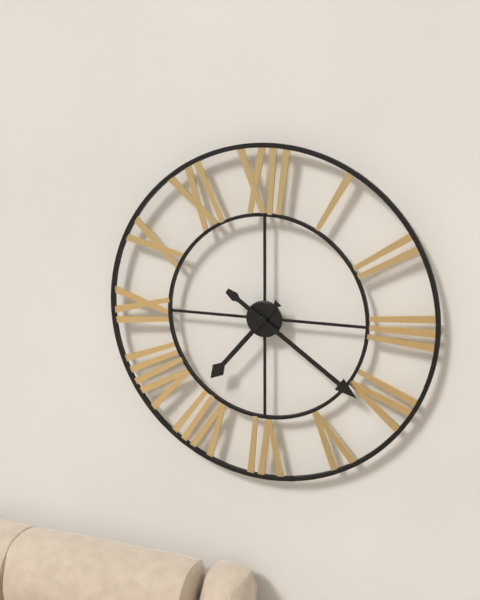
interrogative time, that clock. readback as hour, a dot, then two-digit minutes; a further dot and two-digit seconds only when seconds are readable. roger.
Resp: 7.21
